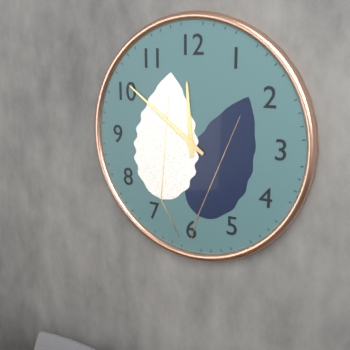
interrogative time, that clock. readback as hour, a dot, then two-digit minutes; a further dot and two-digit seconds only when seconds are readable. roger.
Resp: 11.51
